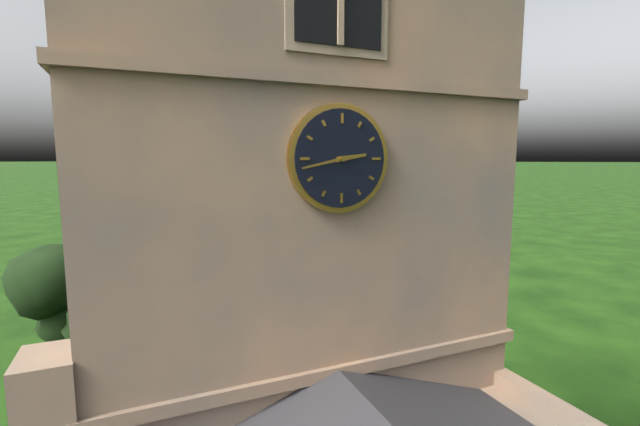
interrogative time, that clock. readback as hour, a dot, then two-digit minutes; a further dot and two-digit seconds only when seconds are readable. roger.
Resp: 2.43
